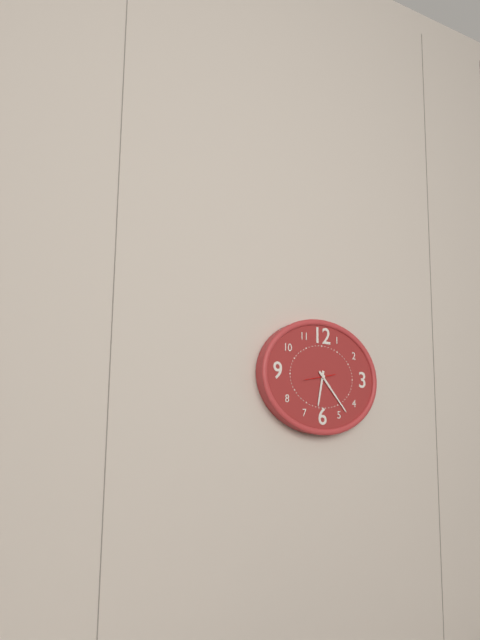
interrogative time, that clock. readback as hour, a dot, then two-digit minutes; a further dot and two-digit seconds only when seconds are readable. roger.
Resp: 6.23
